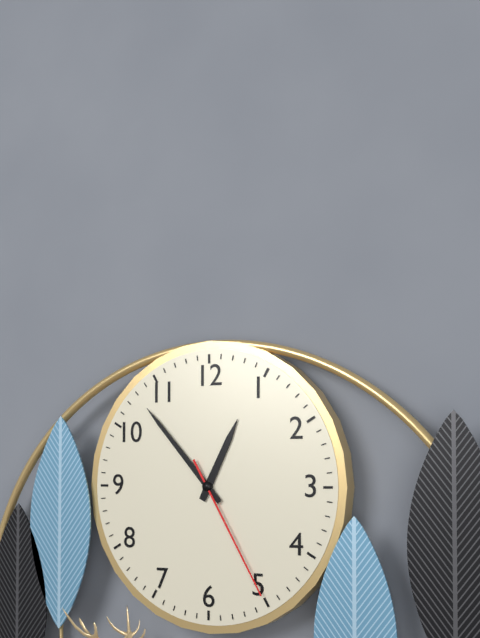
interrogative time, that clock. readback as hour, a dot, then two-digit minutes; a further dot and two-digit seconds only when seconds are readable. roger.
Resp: 12.53.25
